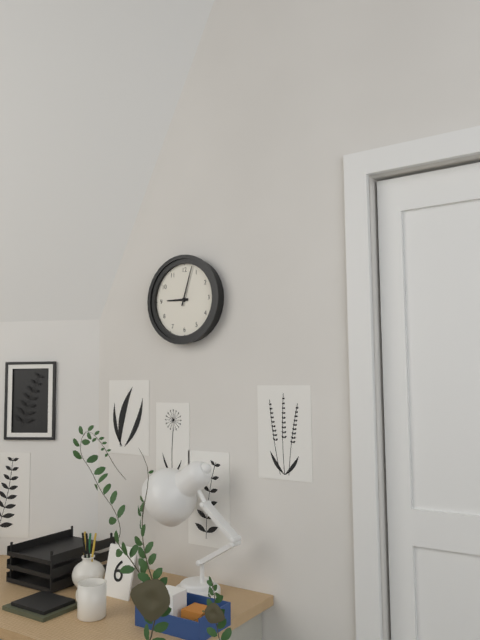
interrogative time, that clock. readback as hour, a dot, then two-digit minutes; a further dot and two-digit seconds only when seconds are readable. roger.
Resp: 9.03
